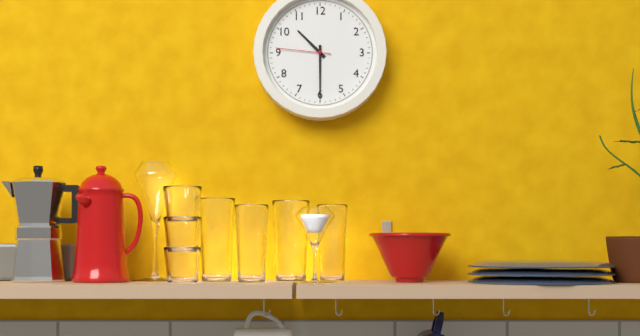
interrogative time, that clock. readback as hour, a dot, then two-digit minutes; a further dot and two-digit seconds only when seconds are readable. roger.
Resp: 10.30.46
